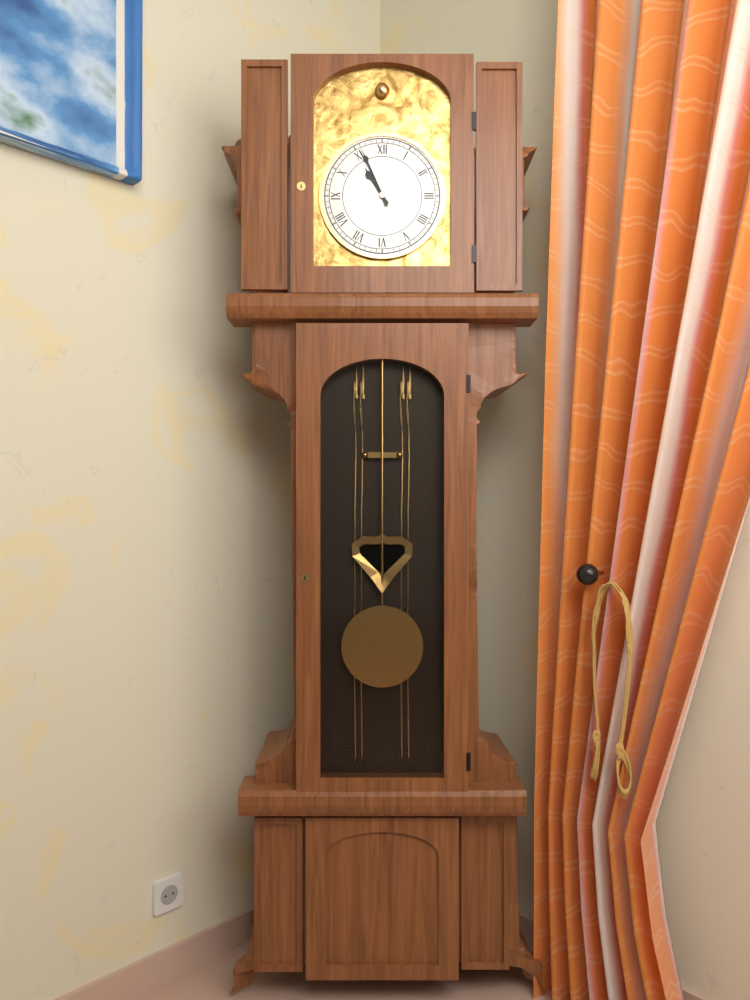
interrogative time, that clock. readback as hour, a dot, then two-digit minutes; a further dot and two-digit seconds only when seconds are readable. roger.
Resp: 10.56
